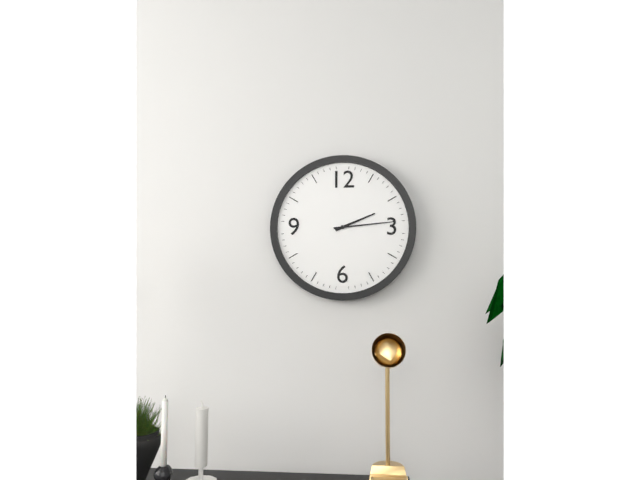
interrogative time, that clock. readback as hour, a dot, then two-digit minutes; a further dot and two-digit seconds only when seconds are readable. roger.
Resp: 2.14
